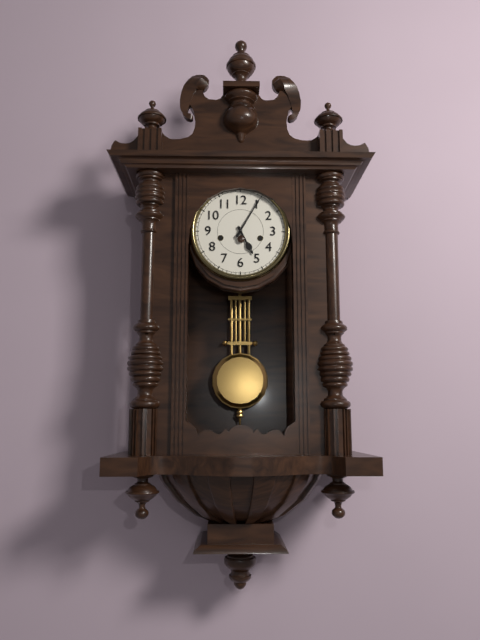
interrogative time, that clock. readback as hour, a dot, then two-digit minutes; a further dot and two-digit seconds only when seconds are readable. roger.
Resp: 5.05
